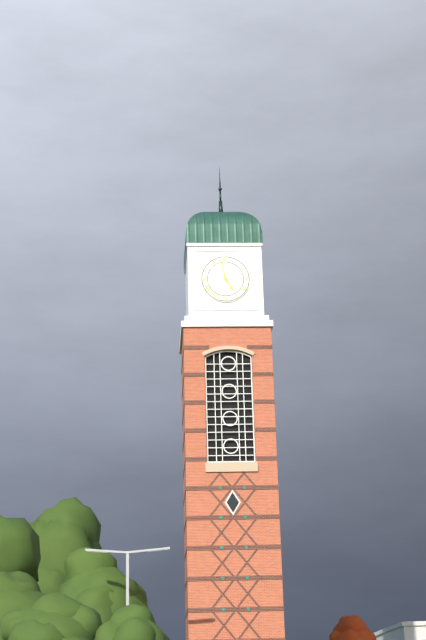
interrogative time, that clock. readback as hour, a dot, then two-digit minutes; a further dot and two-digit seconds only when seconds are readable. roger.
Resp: 4.58
